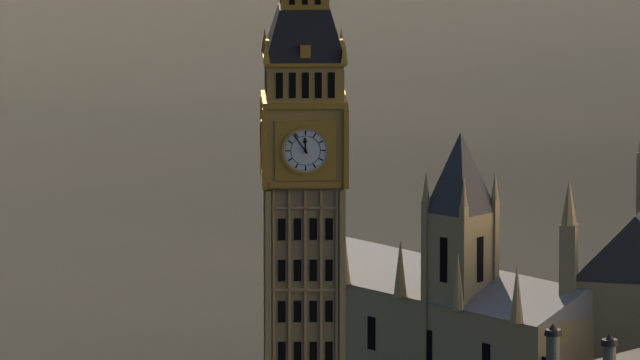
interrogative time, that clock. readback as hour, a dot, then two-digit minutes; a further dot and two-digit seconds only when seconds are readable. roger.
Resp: 11.54
